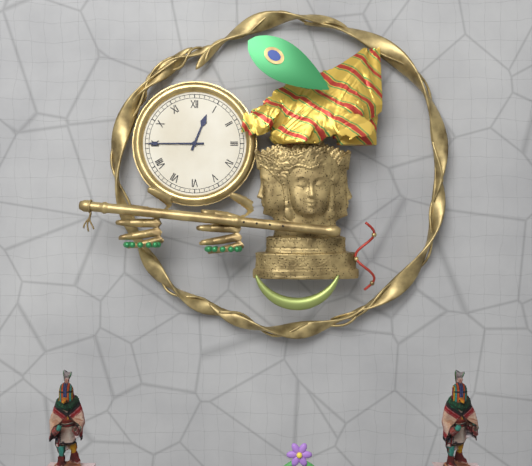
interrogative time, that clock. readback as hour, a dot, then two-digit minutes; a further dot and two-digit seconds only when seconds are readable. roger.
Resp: 12.45
